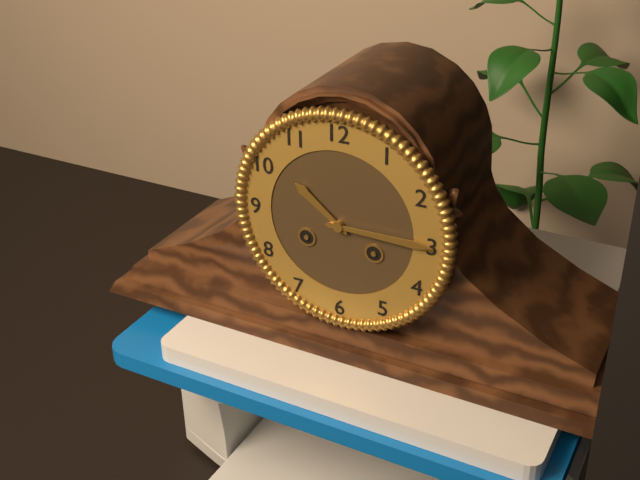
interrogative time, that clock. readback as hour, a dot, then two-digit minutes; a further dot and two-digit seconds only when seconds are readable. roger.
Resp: 10.15
